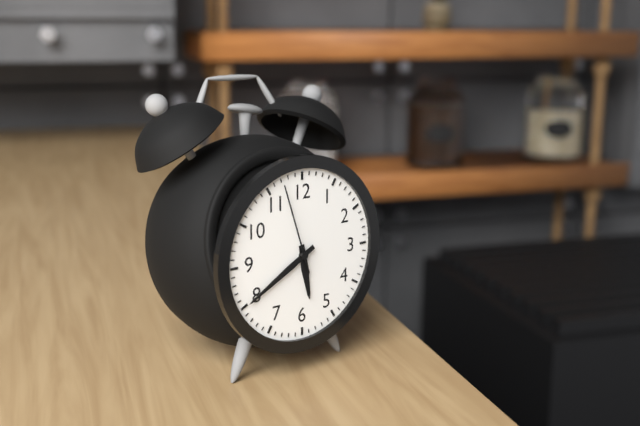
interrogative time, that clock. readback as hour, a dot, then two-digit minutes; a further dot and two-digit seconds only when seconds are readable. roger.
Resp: 5.40.57
